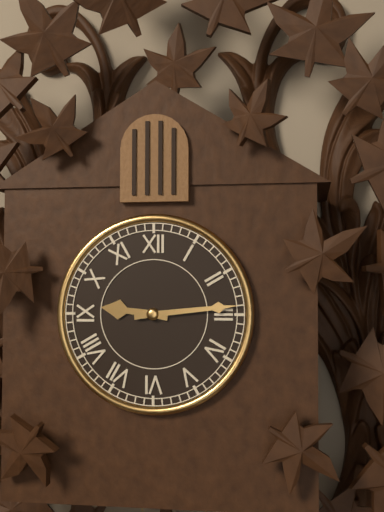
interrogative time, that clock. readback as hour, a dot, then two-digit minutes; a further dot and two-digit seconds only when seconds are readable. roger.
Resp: 9.14
